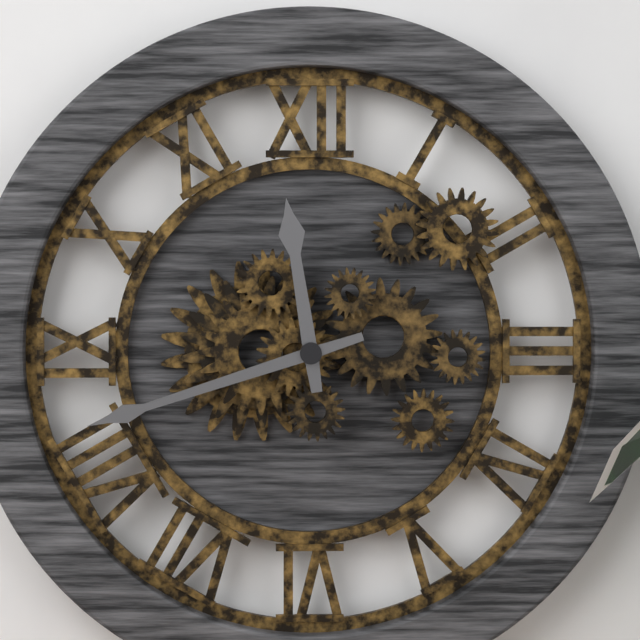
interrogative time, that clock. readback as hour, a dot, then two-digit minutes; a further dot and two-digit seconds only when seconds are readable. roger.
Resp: 11.42
